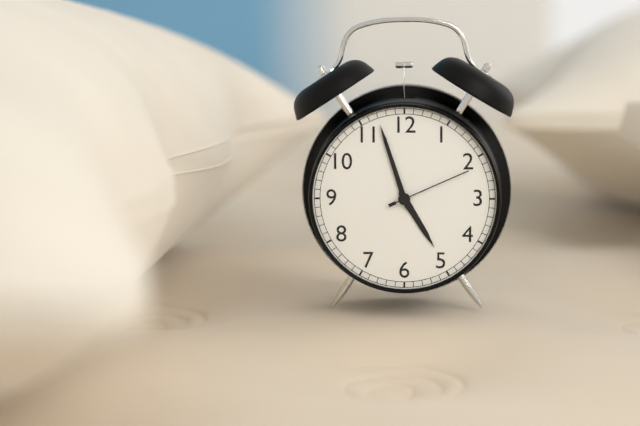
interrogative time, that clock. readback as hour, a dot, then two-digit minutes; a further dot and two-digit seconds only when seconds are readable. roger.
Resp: 4.57.11
